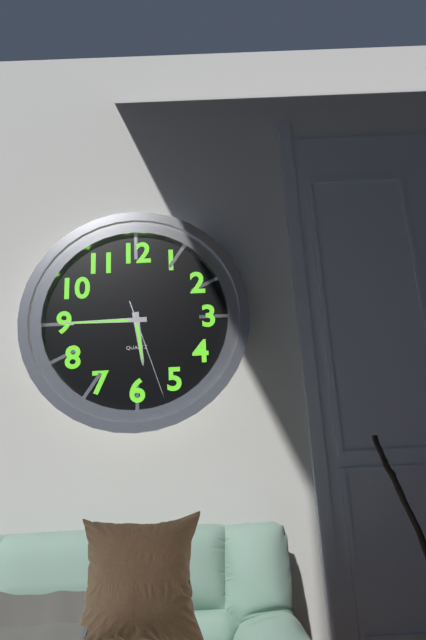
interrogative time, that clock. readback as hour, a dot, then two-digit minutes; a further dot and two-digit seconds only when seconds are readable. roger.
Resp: 5.45.27
